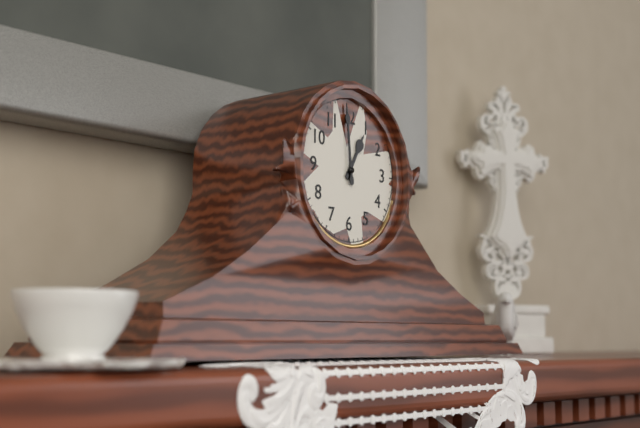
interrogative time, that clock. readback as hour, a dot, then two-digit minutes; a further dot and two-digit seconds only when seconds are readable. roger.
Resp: 12.59
